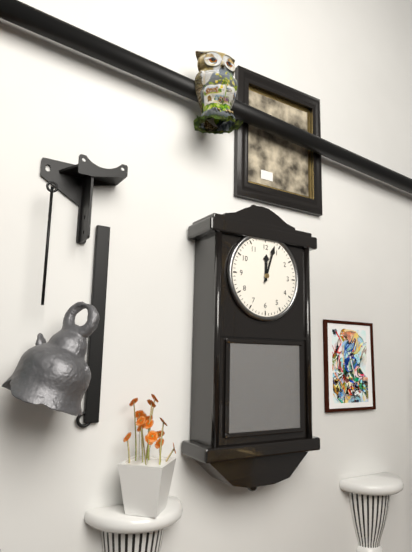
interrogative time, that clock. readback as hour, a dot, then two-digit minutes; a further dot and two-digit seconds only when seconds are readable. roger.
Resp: 12.03
